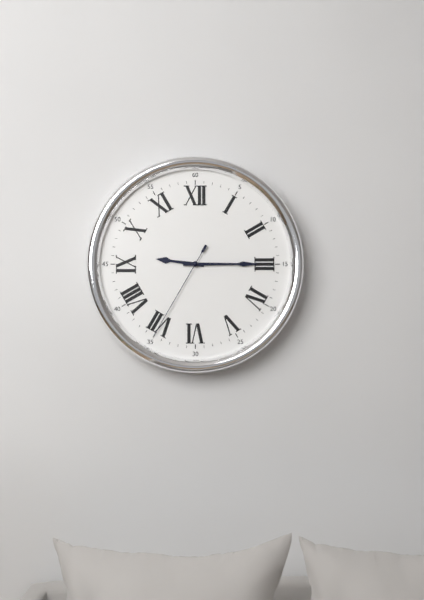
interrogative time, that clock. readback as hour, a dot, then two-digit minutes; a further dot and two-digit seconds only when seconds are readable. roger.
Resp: 9.15.35
